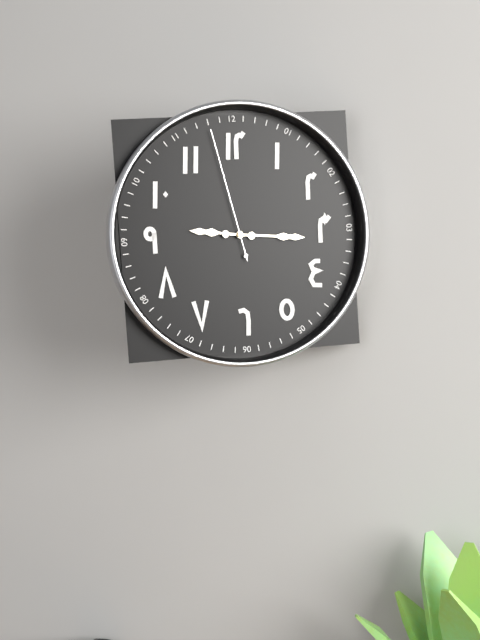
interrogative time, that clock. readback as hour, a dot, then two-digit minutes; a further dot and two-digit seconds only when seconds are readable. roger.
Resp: 9.16.58
